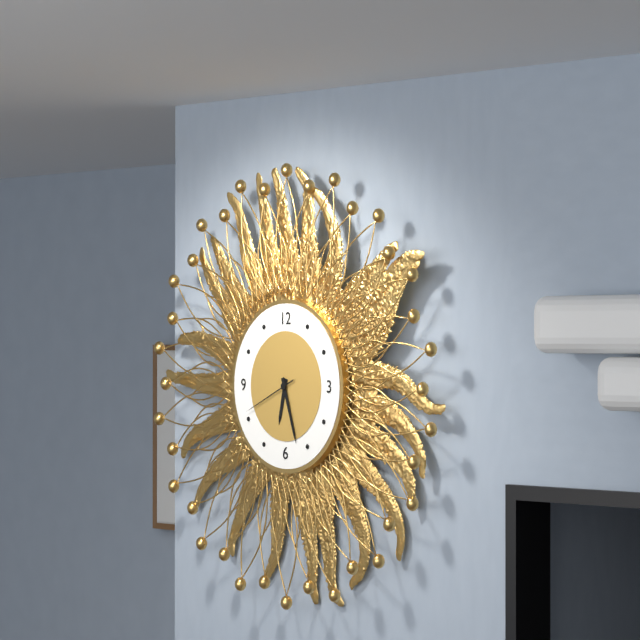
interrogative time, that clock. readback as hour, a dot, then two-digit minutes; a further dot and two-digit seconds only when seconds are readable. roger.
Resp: 6.27.41
